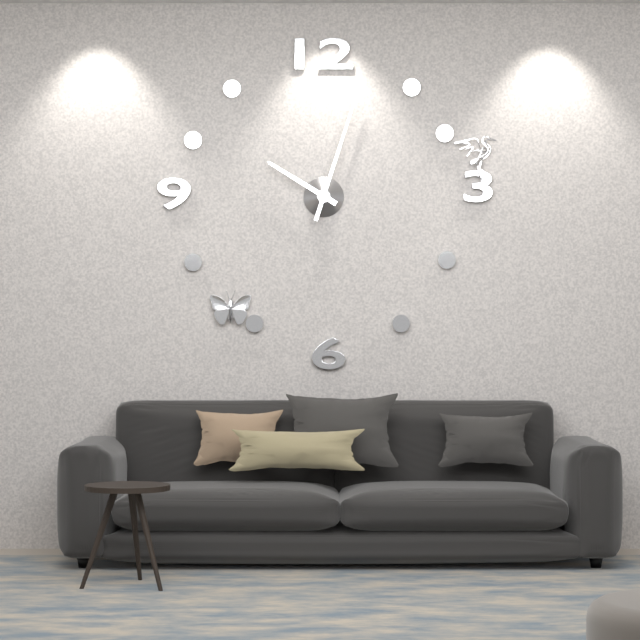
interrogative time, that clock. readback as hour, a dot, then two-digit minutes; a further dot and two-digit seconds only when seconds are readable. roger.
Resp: 10.03
